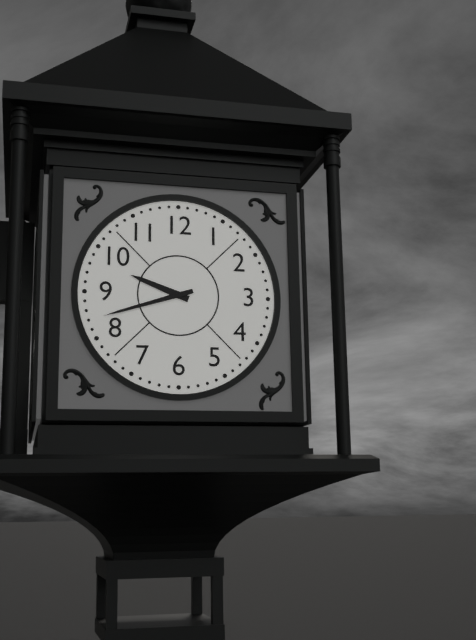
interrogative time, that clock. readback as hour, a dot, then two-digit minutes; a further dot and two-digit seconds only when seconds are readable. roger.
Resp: 9.42
